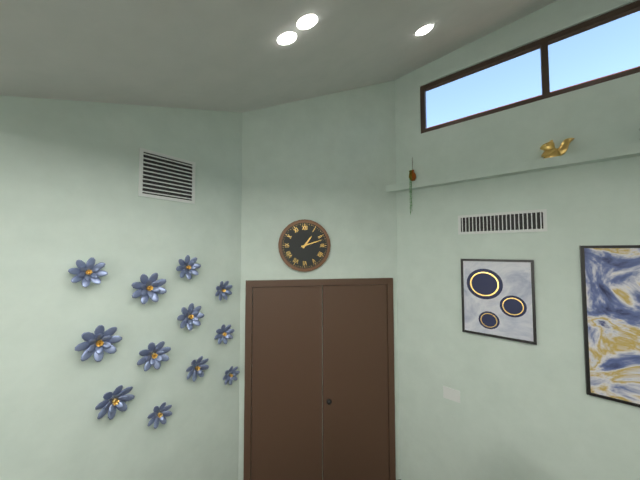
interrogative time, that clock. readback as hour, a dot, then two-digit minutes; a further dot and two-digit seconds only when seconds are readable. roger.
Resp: 1.12
